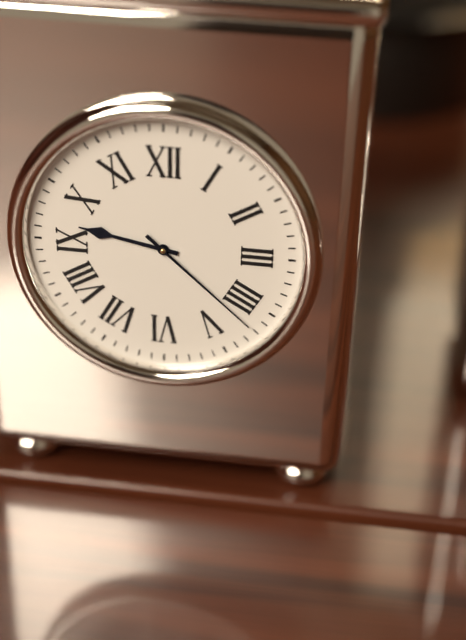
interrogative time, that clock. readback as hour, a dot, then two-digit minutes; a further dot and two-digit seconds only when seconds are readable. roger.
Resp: 9.22
